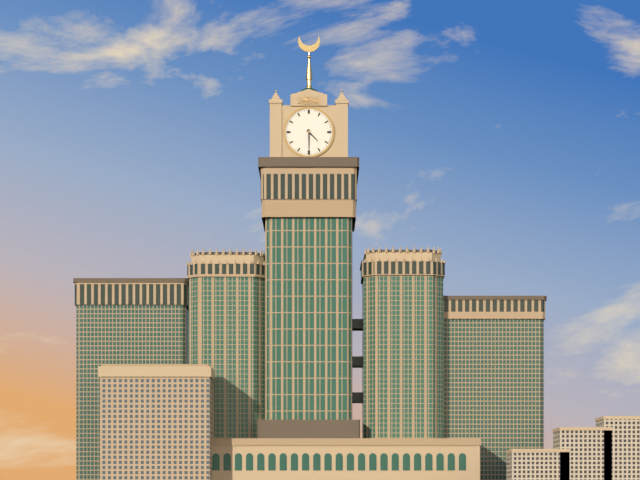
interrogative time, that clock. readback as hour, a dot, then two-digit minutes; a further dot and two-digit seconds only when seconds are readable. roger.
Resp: 4.30
